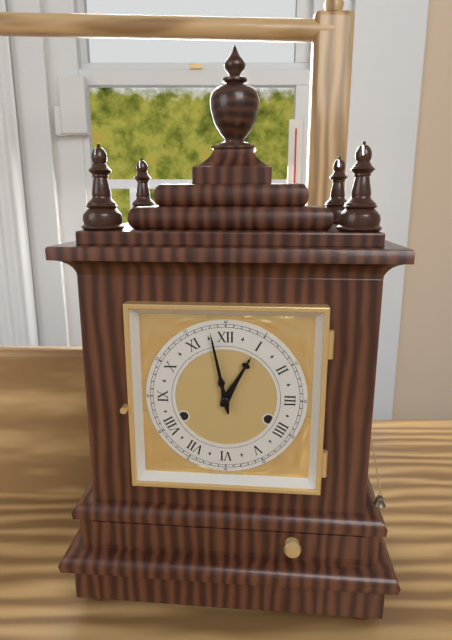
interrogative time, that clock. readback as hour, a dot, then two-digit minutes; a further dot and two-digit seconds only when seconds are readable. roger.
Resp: 12.58
